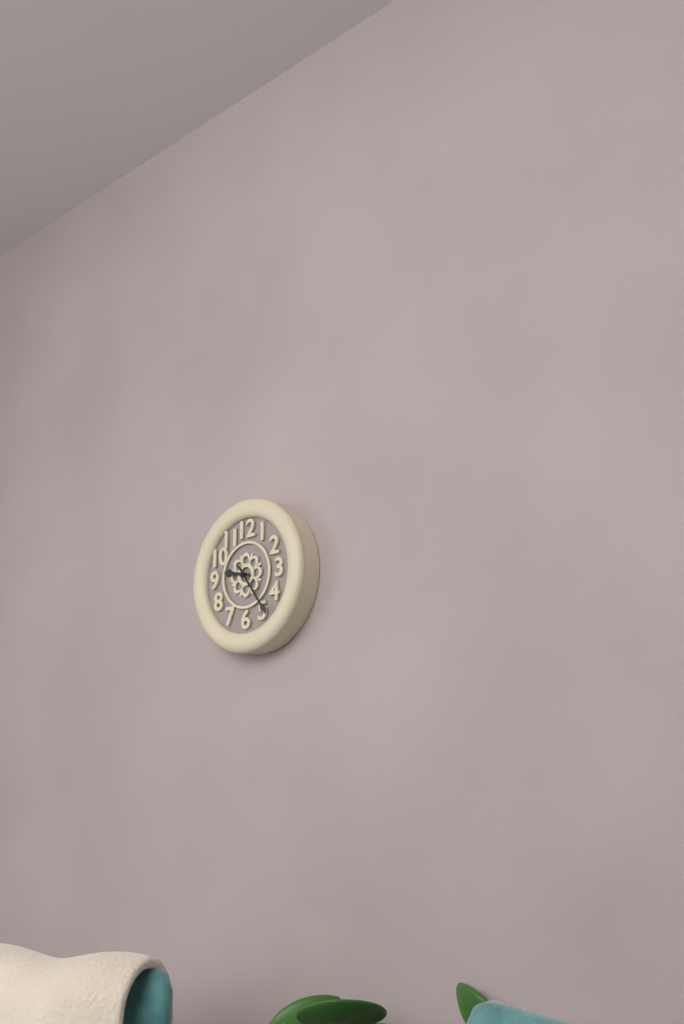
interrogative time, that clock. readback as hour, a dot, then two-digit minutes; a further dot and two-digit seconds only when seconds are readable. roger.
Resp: 9.24
